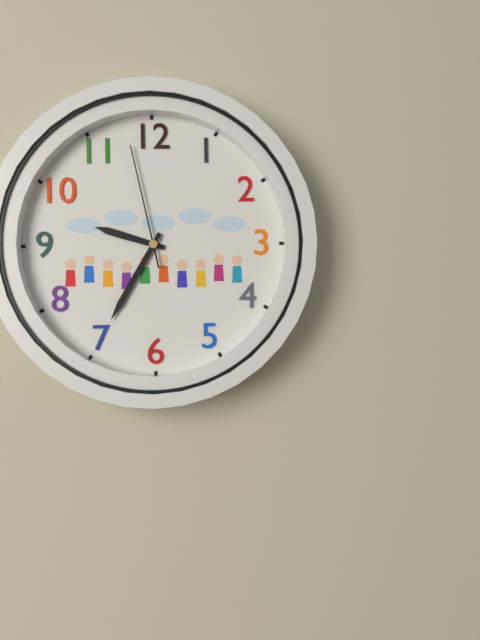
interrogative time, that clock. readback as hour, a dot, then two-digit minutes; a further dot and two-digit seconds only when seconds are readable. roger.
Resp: 9.35.58
